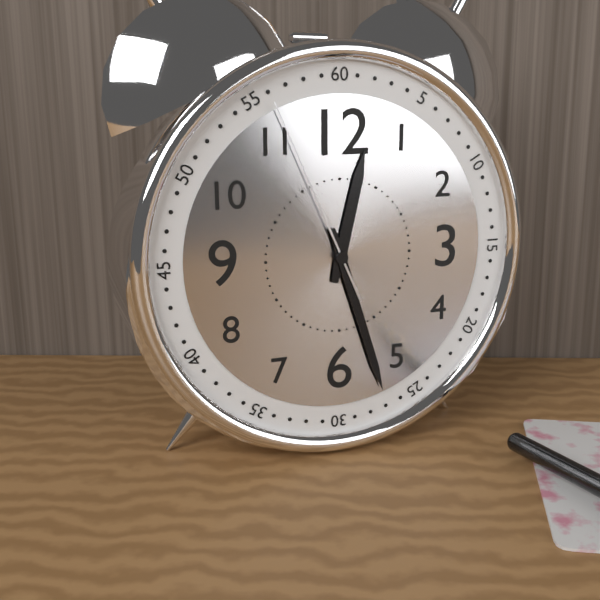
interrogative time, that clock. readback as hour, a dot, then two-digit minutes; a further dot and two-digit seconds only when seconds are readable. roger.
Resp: 12.27.56
